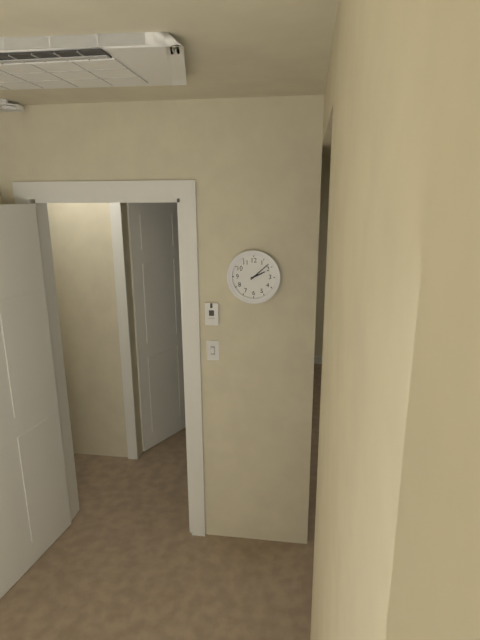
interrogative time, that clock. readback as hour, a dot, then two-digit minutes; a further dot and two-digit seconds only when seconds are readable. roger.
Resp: 2.08
